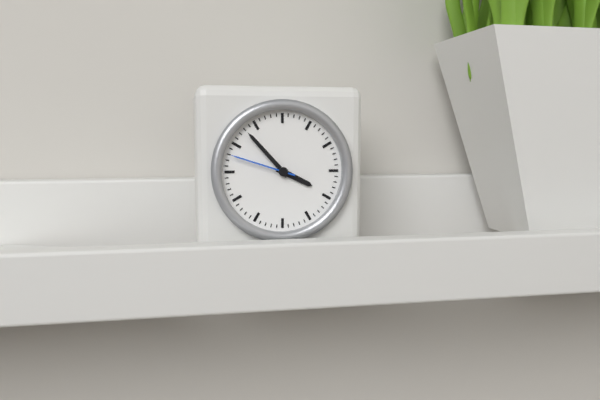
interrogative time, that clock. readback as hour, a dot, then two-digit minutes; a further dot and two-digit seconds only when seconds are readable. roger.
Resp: 3.53.48
